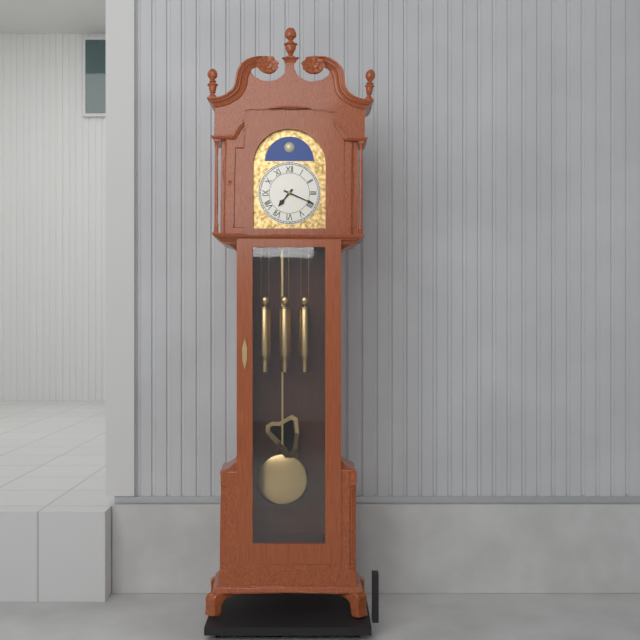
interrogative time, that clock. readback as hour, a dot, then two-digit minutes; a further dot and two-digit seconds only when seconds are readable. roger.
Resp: 7.19
